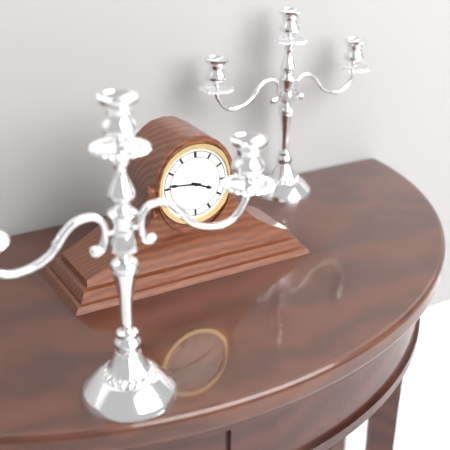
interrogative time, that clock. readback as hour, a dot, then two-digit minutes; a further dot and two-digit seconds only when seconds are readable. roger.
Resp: 3.46
